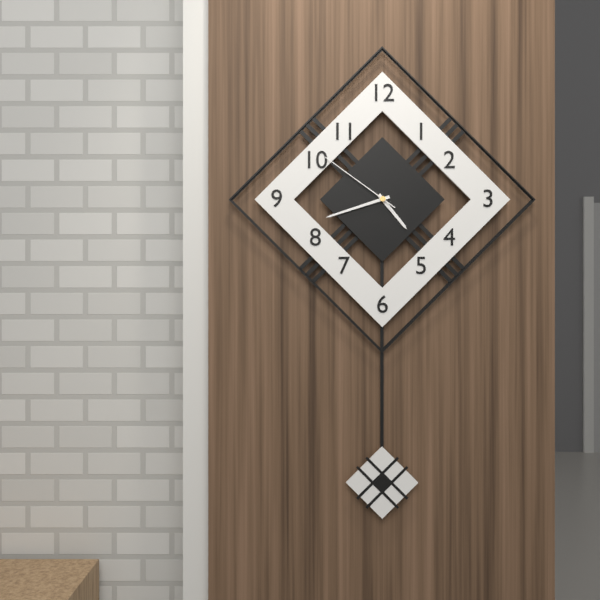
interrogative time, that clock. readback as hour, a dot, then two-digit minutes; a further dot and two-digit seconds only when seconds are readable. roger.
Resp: 4.42.51
